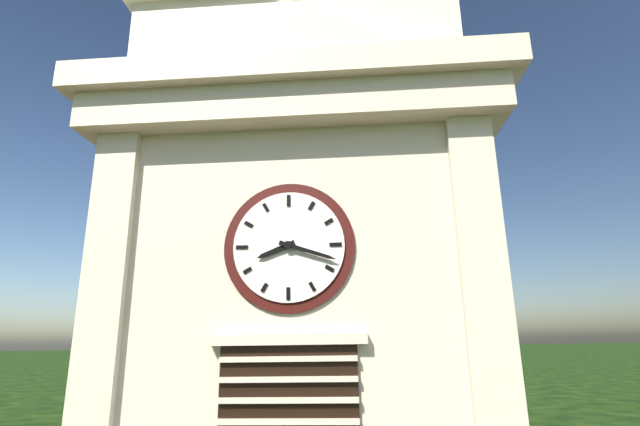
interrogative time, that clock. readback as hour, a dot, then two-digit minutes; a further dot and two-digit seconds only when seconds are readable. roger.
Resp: 8.18
